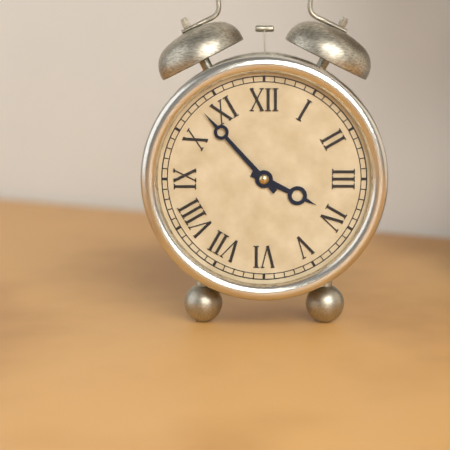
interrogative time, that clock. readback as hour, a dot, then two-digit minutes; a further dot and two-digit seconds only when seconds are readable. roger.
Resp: 3.53
